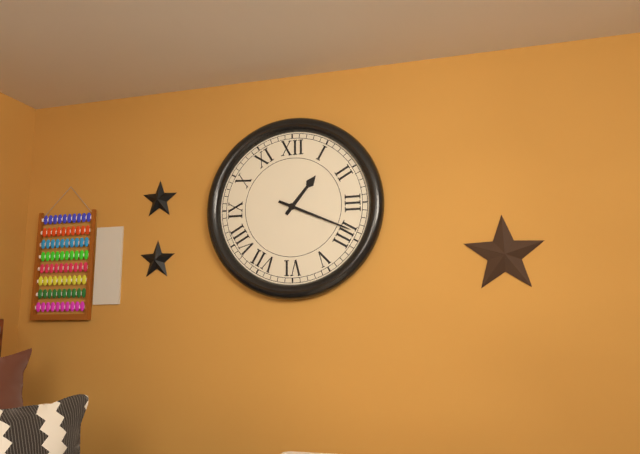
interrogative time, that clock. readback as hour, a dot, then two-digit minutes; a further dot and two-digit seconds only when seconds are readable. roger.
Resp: 1.19
